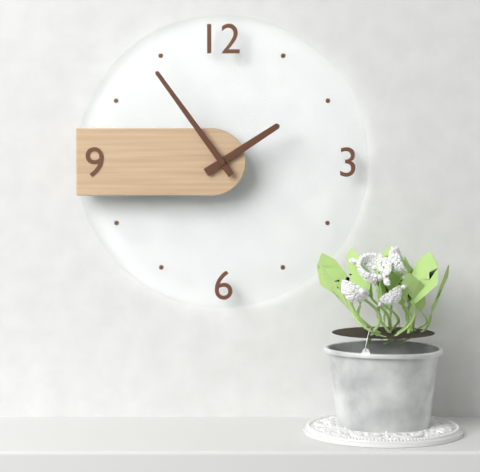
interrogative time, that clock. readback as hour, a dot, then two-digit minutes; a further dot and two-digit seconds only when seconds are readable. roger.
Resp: 1.54
